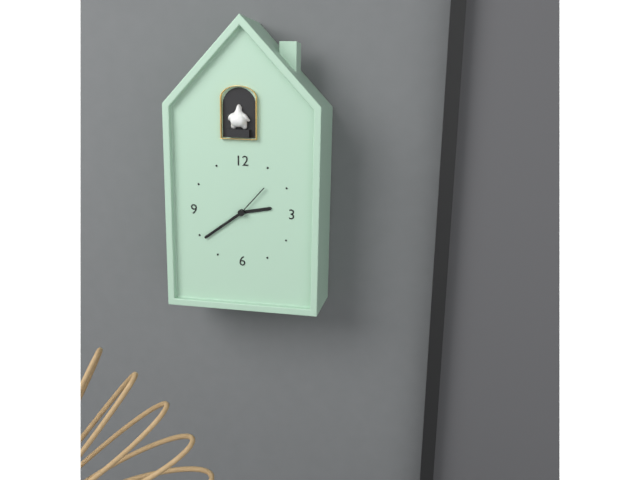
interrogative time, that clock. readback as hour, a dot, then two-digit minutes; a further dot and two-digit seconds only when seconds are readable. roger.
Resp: 2.39
